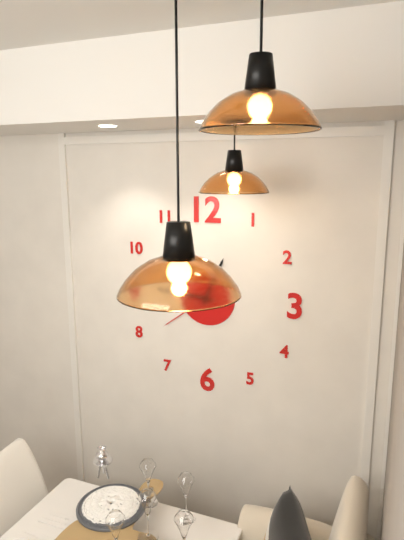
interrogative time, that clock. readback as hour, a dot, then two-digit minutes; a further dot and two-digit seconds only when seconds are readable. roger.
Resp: 12.46.39
